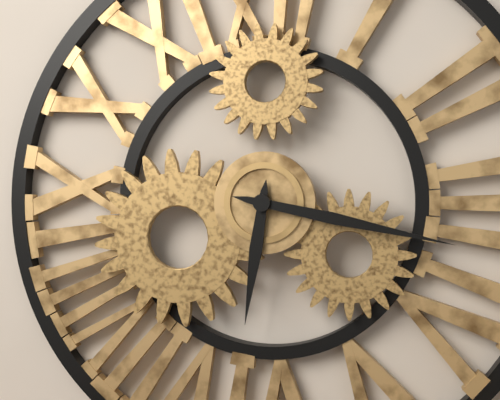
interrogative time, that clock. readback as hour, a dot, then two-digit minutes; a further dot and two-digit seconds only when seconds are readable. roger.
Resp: 6.17
